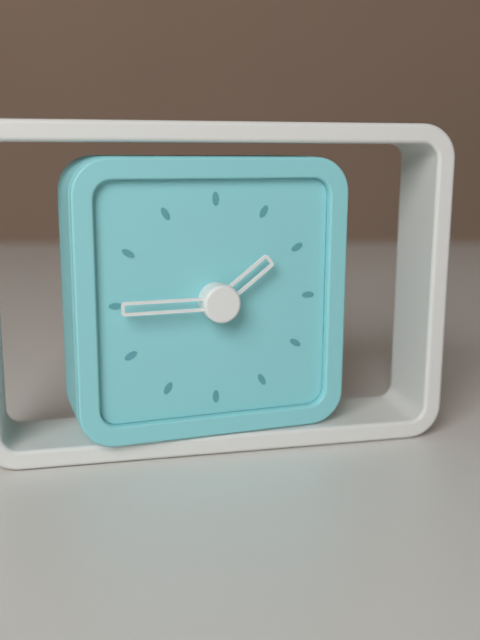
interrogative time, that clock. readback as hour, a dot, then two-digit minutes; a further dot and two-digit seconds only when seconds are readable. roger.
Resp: 1.45
